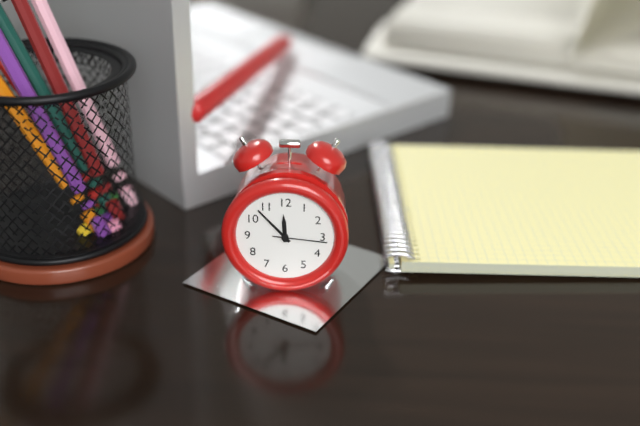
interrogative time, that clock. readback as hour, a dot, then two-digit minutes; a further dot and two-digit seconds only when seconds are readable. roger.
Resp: 11.53.16
